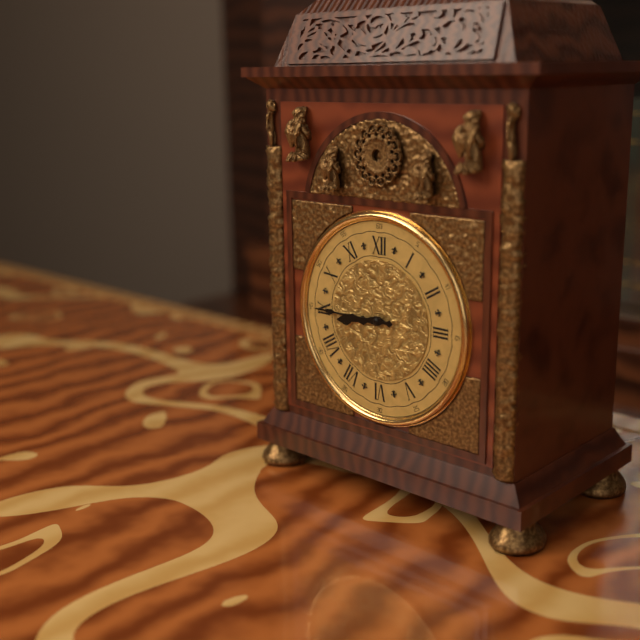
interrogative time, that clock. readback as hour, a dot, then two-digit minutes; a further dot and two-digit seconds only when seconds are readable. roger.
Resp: 8.45
